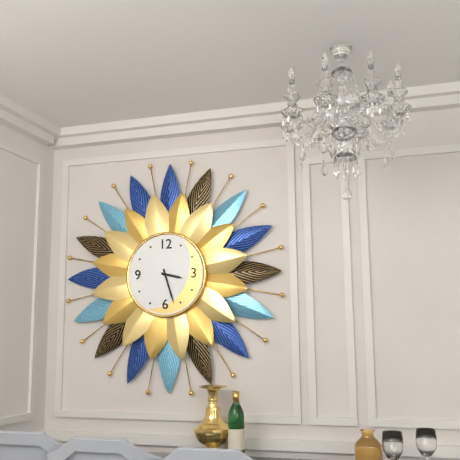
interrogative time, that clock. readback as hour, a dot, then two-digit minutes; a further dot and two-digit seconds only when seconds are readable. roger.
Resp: 3.27
